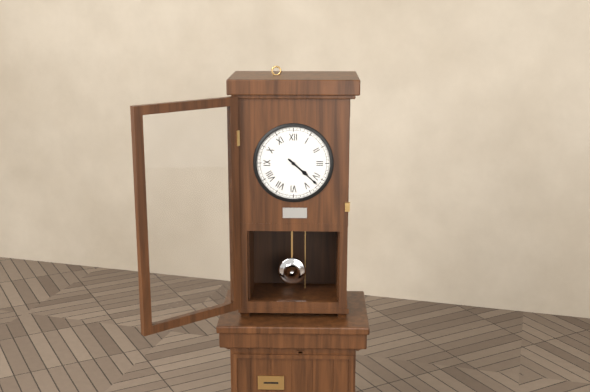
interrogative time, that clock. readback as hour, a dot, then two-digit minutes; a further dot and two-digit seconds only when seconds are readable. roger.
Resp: 4.22
